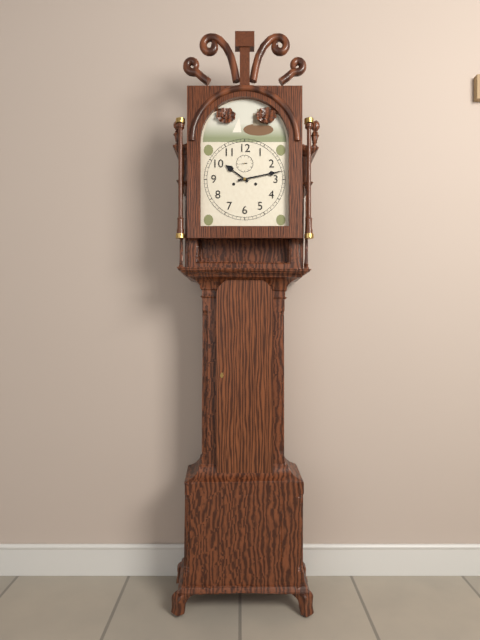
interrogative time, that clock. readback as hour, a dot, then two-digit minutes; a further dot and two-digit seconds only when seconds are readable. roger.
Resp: 10.13
